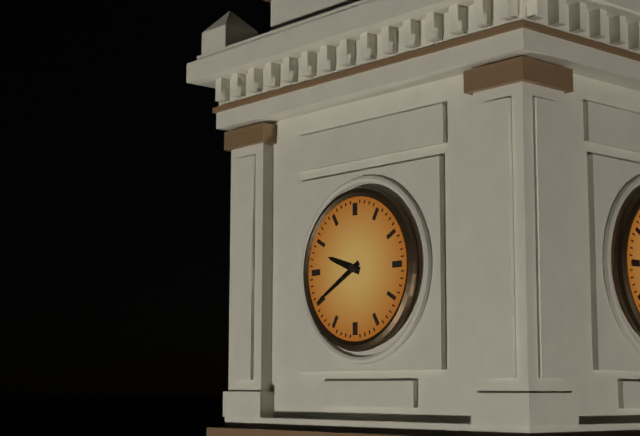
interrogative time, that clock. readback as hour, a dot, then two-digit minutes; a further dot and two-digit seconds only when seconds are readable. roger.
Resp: 9.40
